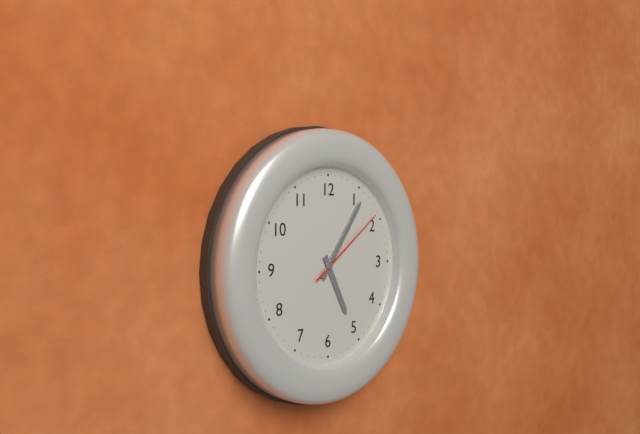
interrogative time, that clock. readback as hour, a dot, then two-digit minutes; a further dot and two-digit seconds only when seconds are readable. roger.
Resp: 5.06.09
